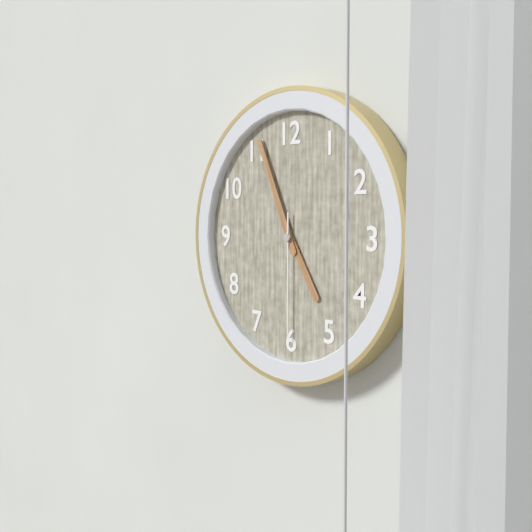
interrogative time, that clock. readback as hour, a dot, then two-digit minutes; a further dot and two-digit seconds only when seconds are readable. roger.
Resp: 4.56.30
